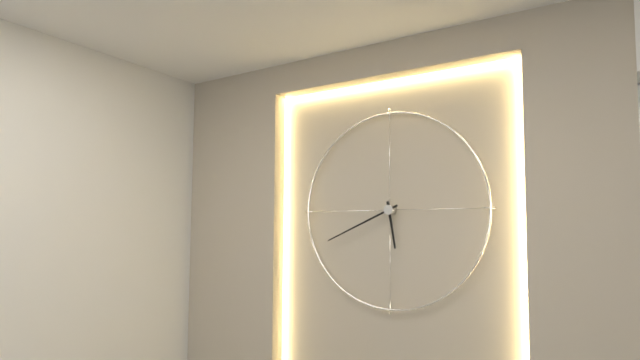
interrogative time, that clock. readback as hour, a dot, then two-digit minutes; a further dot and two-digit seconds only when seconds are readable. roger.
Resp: 5.41
